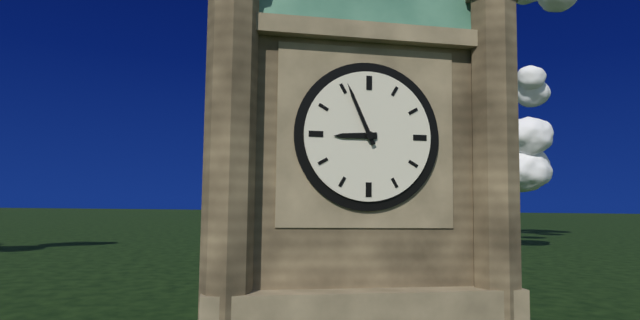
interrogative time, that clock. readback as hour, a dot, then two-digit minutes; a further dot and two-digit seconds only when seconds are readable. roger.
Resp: 8.56
